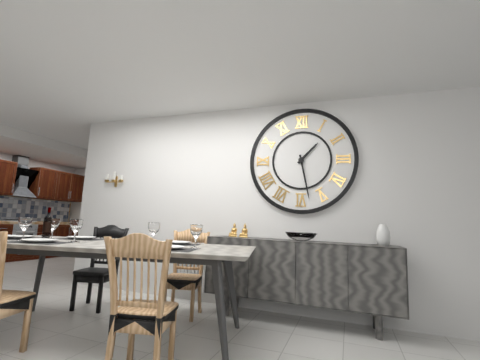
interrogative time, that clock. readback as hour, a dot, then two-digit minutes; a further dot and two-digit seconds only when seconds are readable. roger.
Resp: 1.28
